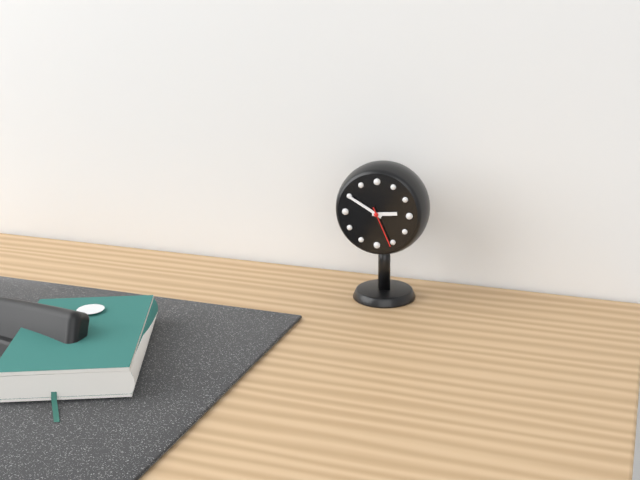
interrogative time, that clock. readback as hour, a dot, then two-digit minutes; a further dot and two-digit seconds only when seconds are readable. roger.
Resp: 2.50
